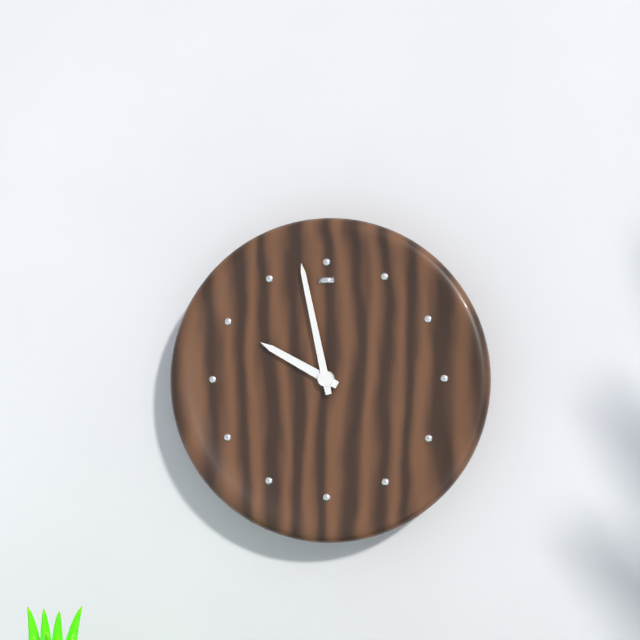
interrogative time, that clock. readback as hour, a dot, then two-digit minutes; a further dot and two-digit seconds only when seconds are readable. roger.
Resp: 9.58
